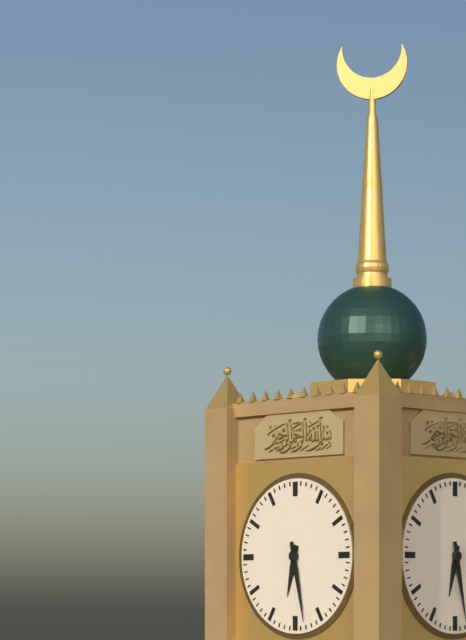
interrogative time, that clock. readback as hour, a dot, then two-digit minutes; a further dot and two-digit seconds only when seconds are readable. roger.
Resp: 6.28
